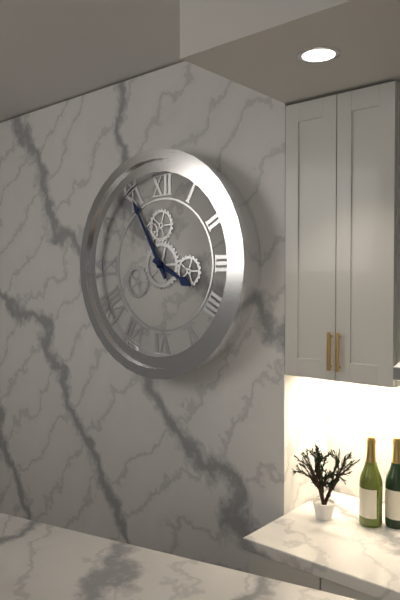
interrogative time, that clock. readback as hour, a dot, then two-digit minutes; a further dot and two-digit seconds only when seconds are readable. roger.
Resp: 3.55
